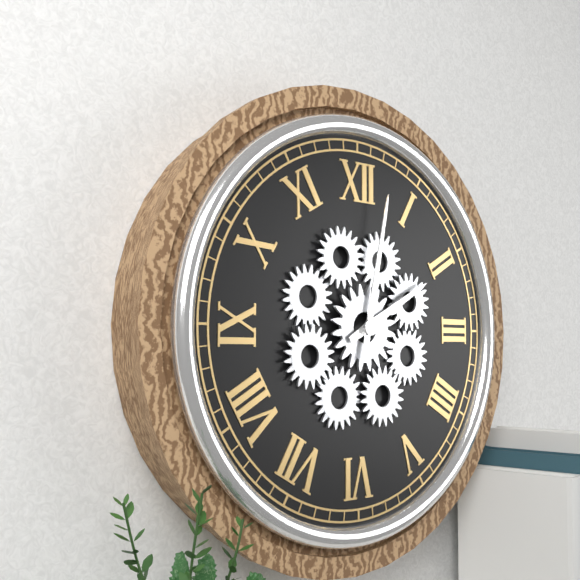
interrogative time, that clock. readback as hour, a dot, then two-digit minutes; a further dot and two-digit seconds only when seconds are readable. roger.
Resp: 2.02
